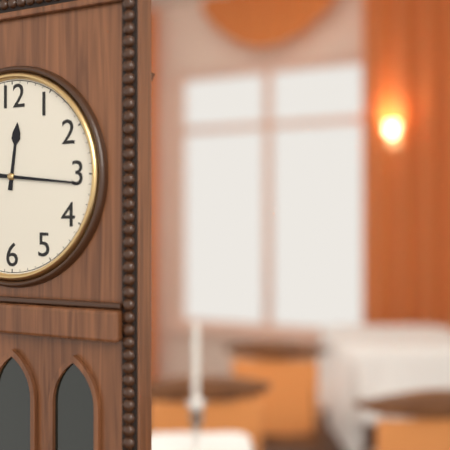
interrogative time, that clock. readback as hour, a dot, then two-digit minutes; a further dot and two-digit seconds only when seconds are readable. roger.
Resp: 12.16
